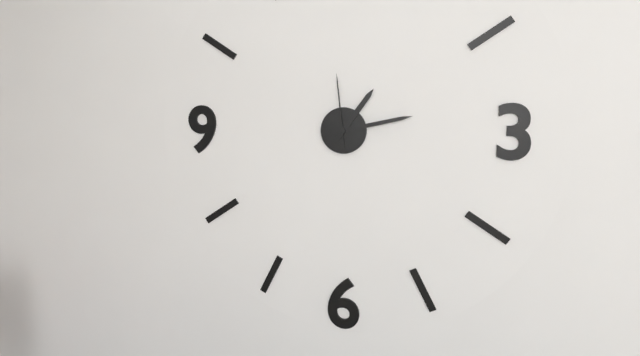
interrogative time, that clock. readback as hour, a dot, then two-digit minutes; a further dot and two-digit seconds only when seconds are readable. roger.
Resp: 1.13.59
